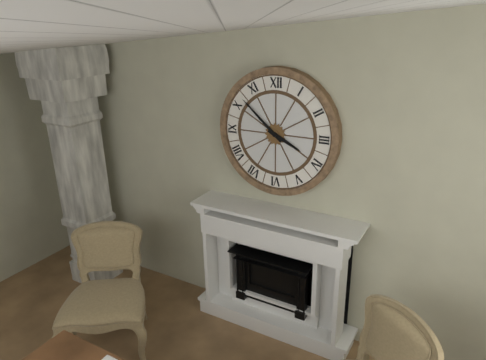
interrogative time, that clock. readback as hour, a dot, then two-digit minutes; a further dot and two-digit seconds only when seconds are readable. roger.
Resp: 3.52
